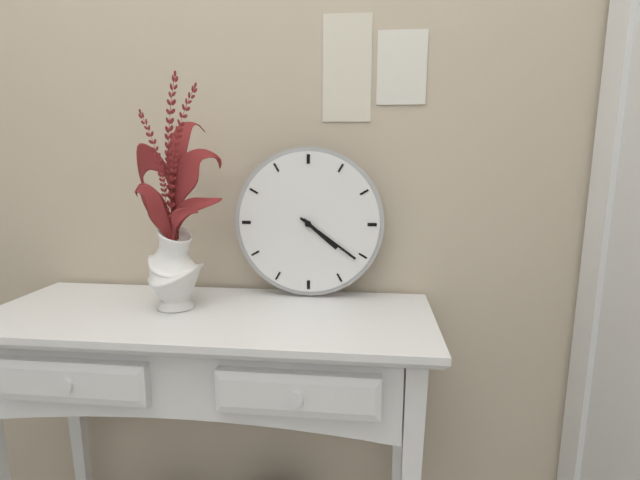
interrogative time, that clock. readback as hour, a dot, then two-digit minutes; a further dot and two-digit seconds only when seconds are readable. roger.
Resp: 4.21
